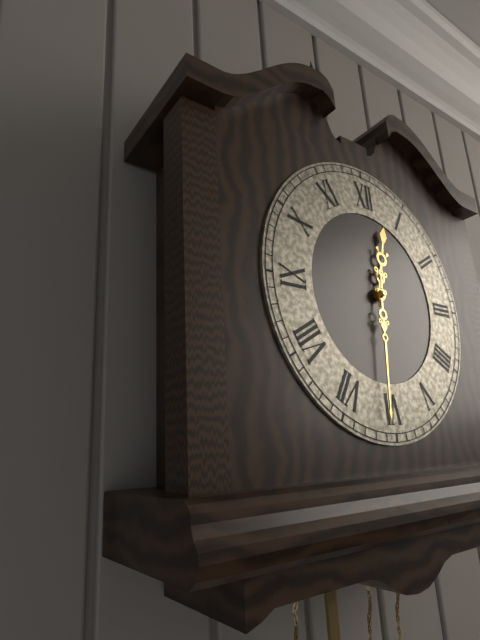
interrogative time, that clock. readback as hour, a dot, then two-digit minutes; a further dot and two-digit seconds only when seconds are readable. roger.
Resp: 12.31
